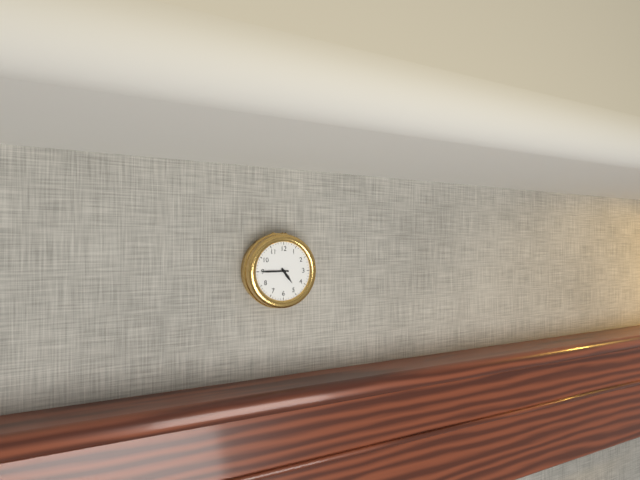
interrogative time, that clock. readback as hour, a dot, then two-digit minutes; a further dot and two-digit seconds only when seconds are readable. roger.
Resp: 4.45
